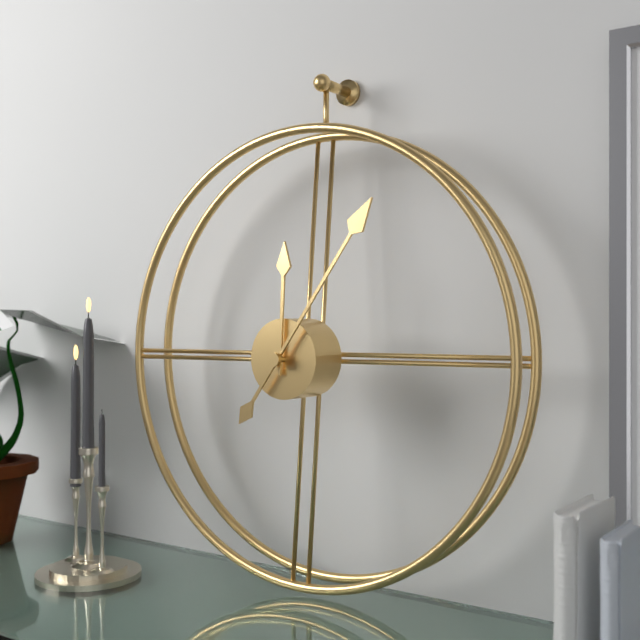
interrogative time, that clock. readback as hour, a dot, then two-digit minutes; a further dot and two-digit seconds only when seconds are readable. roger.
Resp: 12.06
